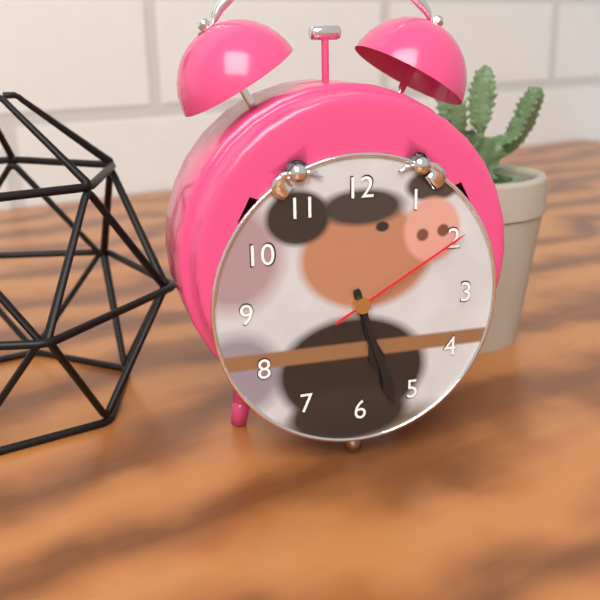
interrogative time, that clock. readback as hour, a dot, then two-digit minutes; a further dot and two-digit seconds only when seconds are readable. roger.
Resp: 5.27.10
